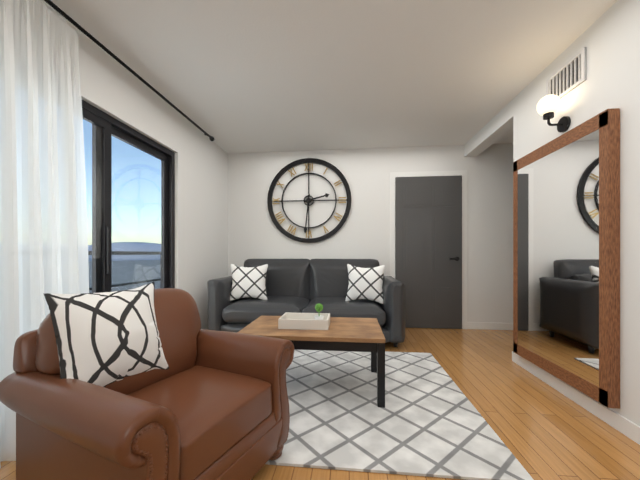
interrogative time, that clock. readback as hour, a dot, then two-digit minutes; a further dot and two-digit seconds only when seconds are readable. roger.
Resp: 2.31
